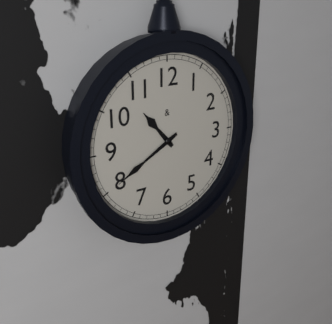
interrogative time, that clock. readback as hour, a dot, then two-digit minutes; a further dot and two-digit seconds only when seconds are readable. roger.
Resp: 10.40
